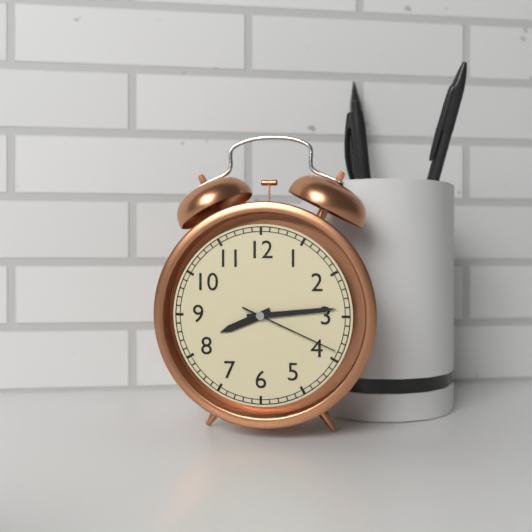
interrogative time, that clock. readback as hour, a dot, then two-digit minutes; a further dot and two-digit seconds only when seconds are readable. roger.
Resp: 8.14.19
